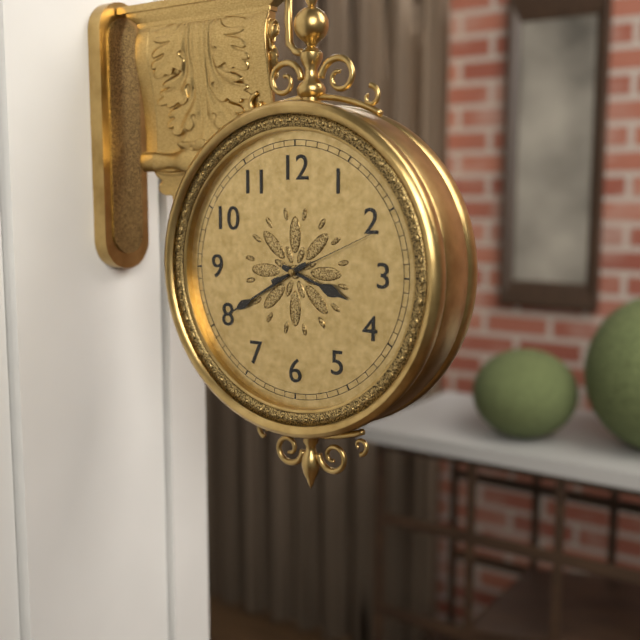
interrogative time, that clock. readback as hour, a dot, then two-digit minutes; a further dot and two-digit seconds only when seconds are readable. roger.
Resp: 3.40.11
